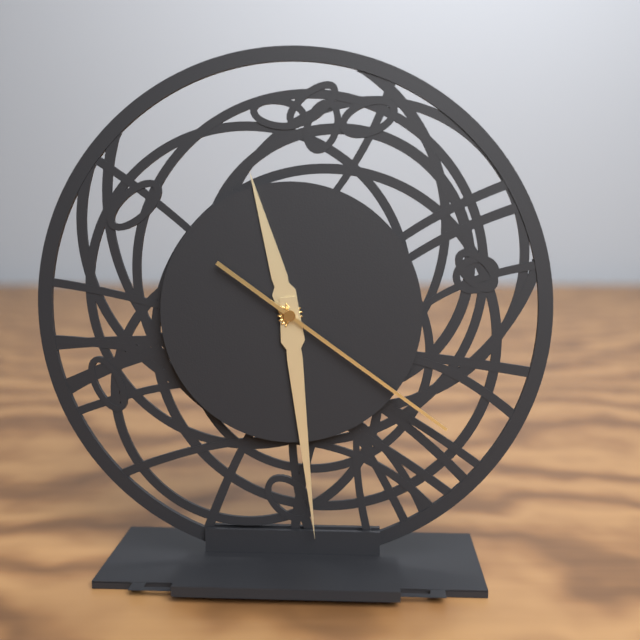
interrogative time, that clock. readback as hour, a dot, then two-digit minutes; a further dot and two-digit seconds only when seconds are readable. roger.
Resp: 11.29.21
